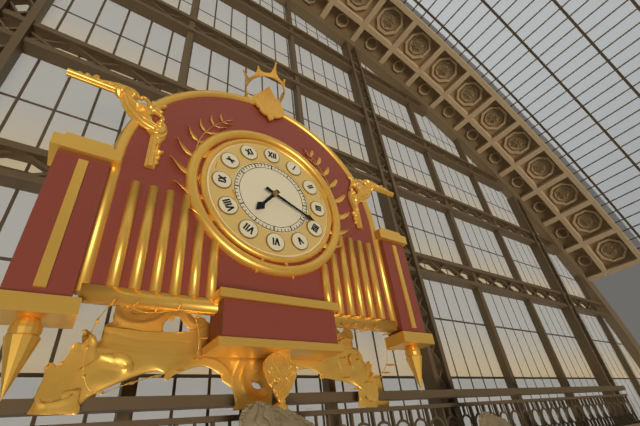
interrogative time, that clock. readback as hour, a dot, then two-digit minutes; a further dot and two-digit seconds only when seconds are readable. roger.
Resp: 7.19
